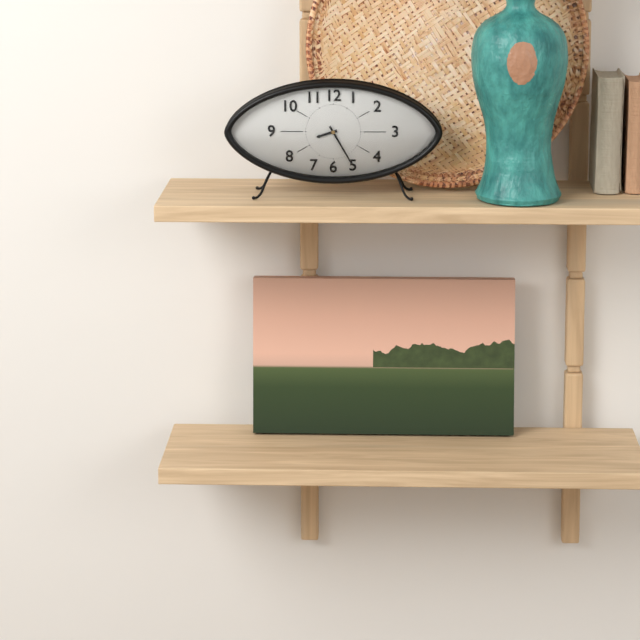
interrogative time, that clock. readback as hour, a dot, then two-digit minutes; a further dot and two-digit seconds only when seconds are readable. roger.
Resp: 8.25
